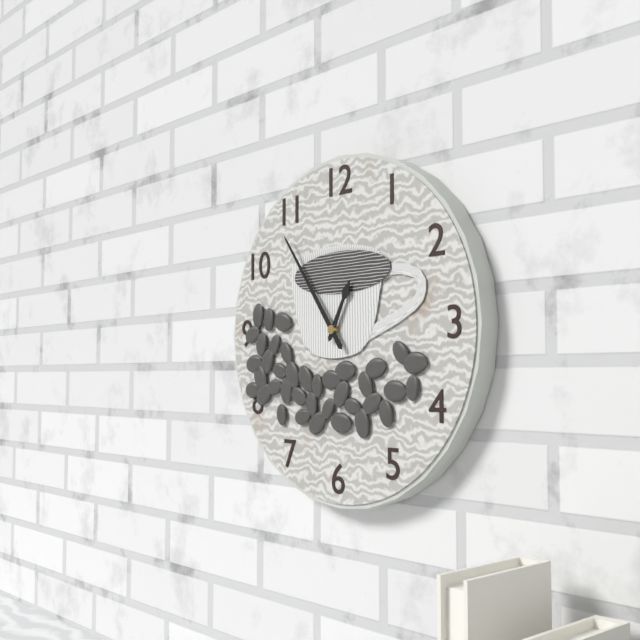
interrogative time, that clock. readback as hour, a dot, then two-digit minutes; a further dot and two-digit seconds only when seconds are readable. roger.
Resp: 12.54
